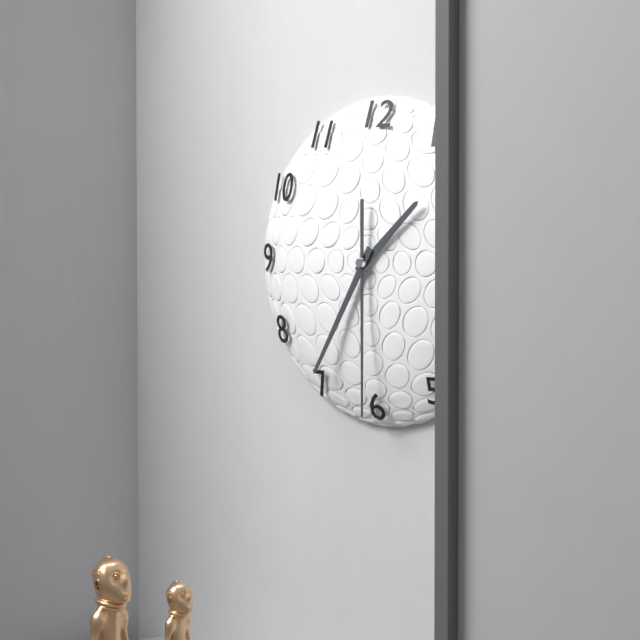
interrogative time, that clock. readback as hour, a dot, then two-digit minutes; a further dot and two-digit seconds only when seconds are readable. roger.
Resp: 1.35.30
